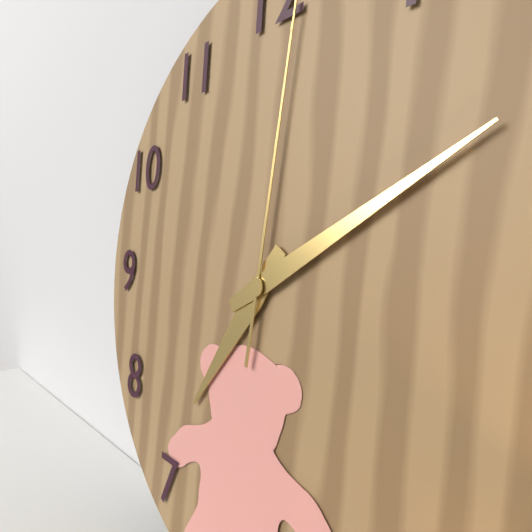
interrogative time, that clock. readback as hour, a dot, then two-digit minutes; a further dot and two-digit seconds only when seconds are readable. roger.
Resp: 7.10
